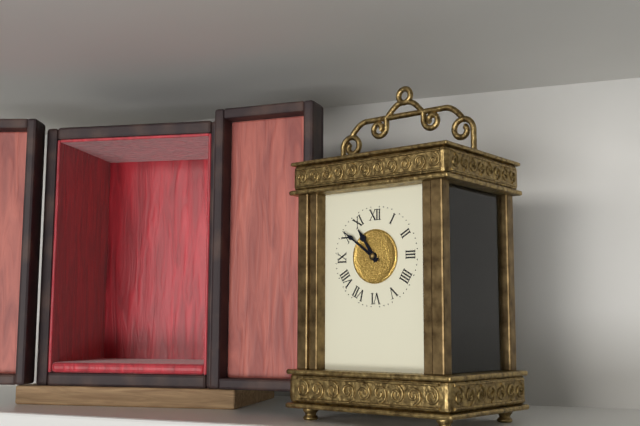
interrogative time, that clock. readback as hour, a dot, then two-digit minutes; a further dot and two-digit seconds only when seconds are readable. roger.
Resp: 10.51
